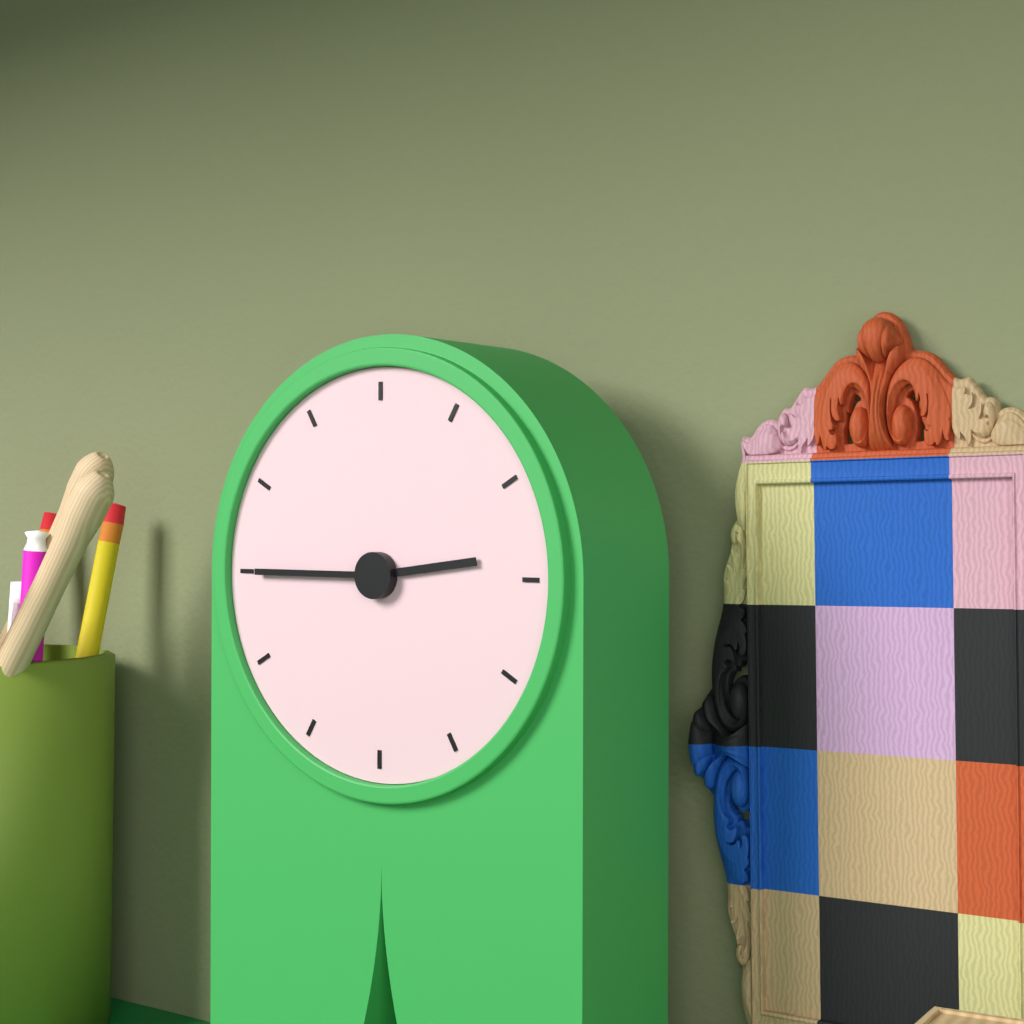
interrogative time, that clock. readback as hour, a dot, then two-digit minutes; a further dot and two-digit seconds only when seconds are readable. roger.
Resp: 2.45
